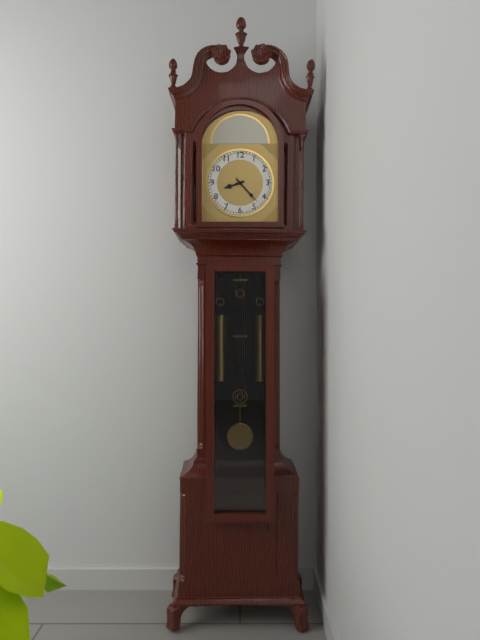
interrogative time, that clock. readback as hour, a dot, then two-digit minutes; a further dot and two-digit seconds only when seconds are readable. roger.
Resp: 8.23
